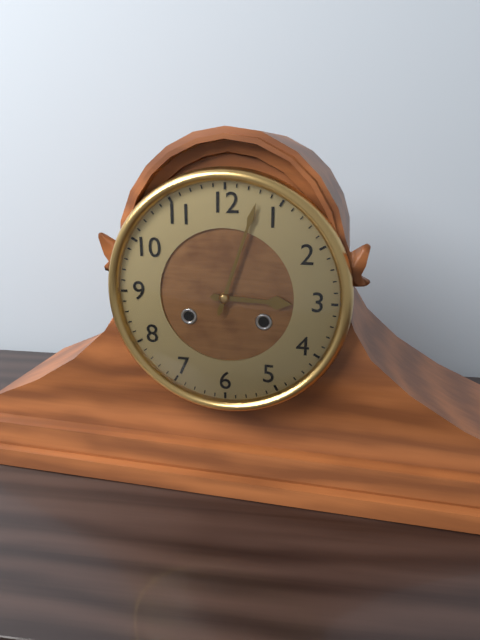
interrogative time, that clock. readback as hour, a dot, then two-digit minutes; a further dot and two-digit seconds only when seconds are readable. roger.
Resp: 3.03
